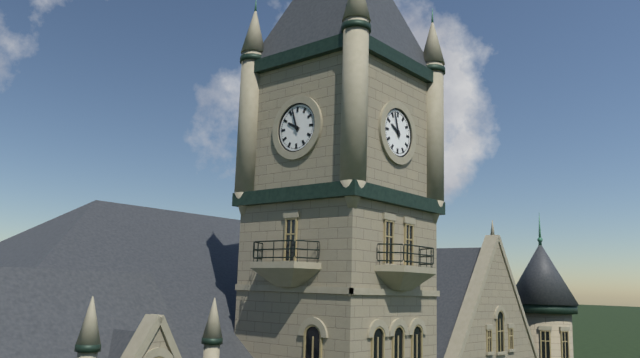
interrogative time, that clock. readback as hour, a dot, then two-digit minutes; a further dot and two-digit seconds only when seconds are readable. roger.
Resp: 9.57
